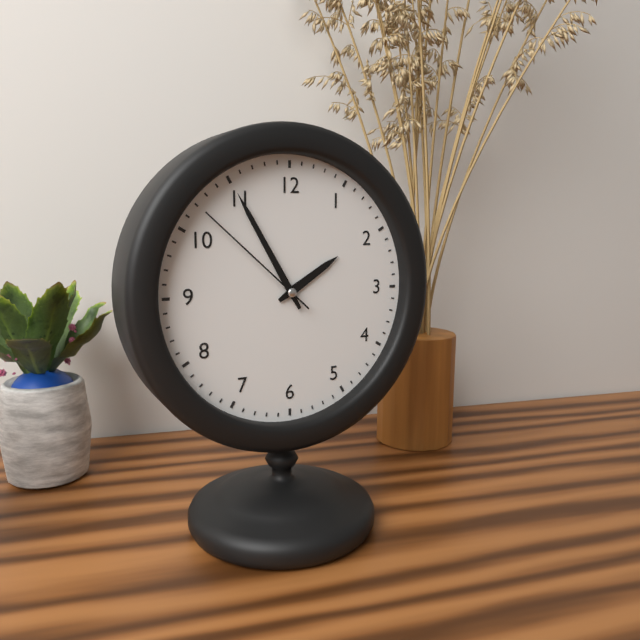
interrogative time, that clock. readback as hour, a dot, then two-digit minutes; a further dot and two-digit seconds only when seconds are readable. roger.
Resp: 1.55.52
